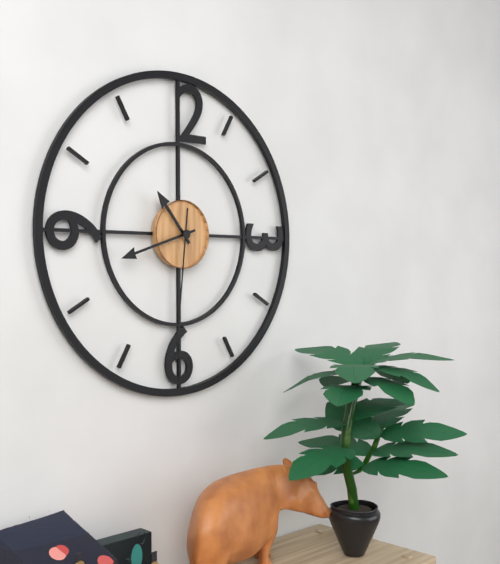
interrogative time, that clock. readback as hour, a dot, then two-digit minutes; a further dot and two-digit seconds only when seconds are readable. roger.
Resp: 10.42.31
